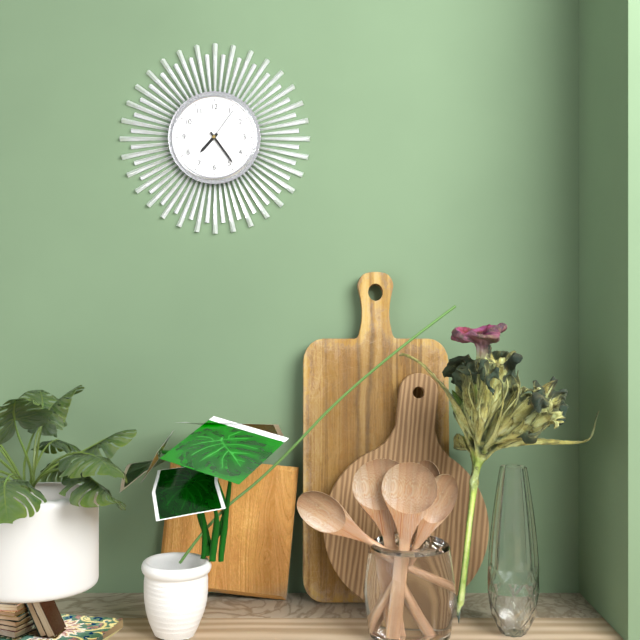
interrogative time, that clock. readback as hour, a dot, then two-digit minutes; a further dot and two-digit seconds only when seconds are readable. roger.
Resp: 7.24
